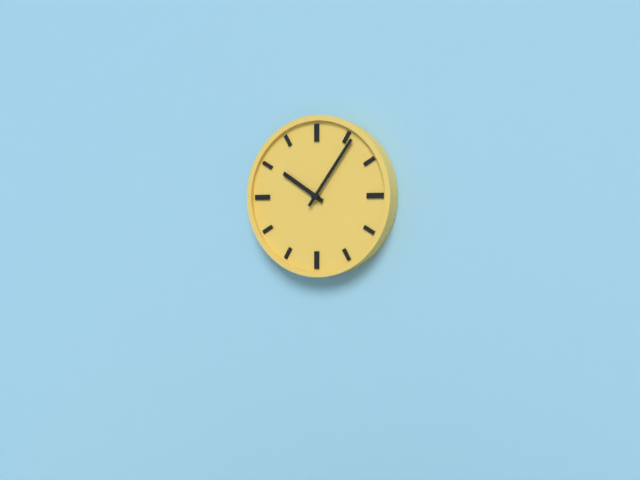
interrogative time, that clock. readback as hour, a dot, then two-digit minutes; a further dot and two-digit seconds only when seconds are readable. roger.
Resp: 10.06
